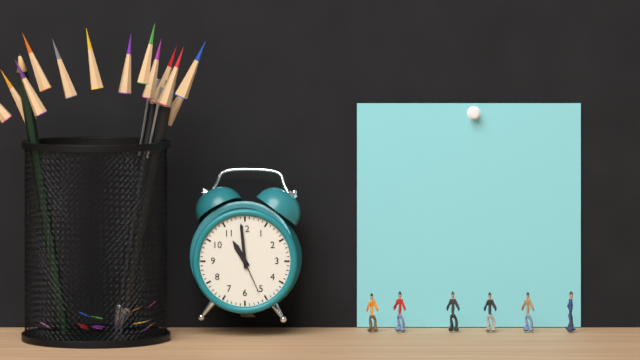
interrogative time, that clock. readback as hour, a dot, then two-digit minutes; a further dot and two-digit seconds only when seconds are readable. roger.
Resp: 10.59
